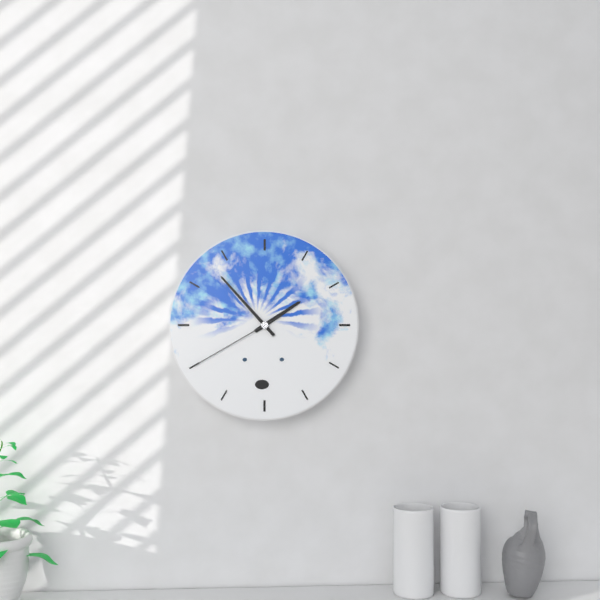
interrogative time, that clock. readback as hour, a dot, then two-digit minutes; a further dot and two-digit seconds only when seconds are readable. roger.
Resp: 1.53.40
